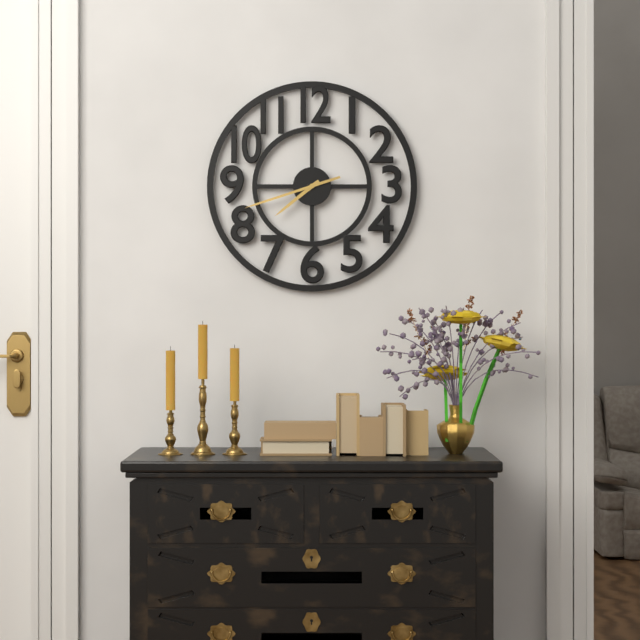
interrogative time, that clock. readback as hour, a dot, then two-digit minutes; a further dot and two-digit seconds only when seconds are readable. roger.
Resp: 7.42
